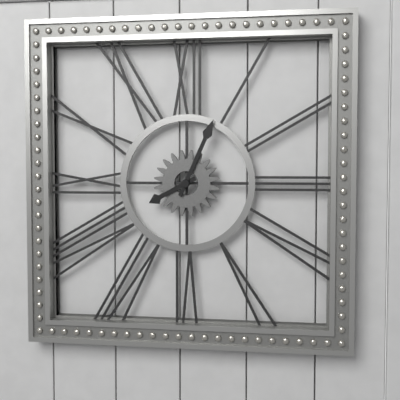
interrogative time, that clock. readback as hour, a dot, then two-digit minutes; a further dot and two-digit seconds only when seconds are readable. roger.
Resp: 8.04
